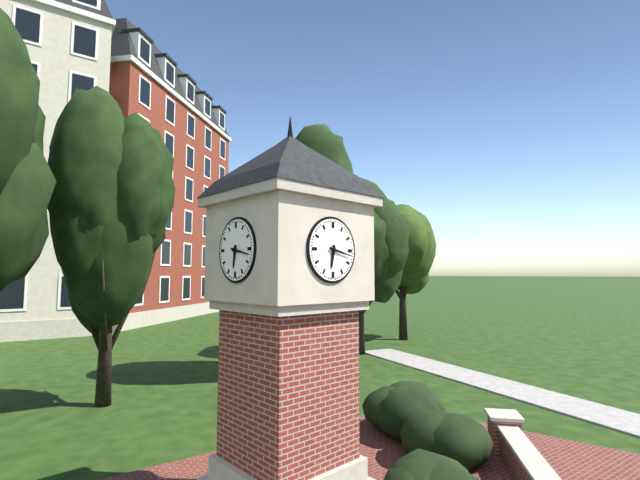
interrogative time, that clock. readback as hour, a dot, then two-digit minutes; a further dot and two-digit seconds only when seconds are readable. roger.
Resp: 6.17
